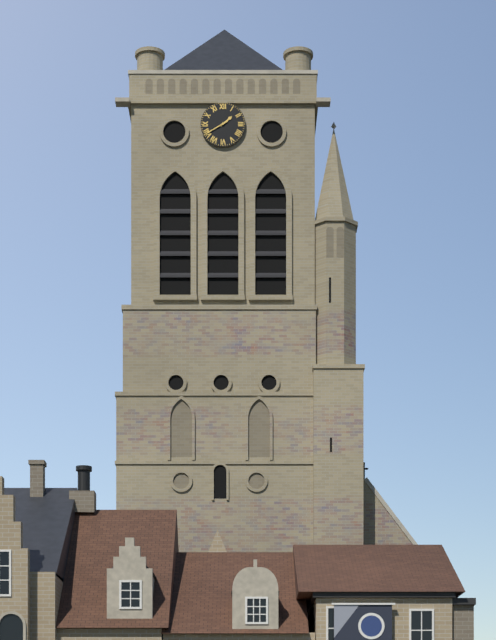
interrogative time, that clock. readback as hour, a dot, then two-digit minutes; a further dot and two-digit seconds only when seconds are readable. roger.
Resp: 1.40
